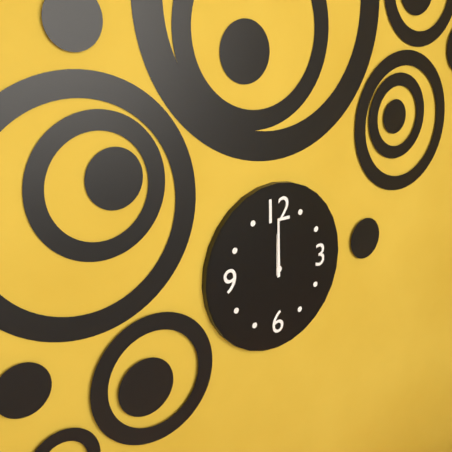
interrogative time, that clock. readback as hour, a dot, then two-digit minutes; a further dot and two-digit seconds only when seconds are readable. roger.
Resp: 12.00
